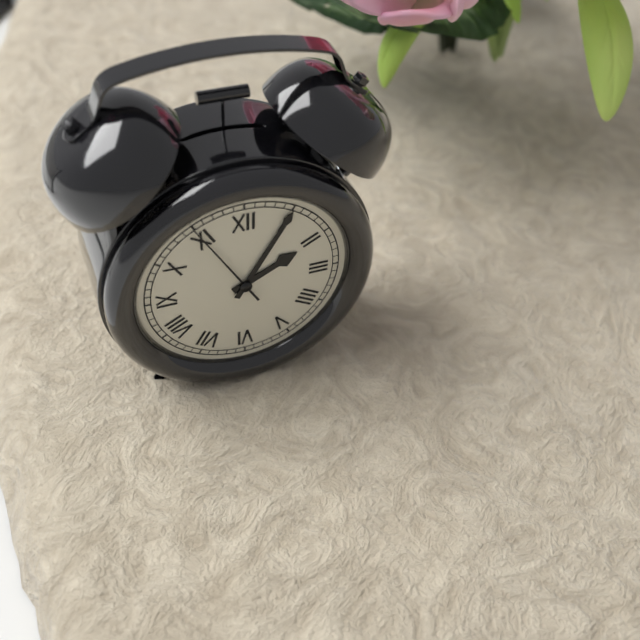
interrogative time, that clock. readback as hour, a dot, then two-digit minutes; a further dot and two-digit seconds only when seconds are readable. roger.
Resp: 2.05.55
